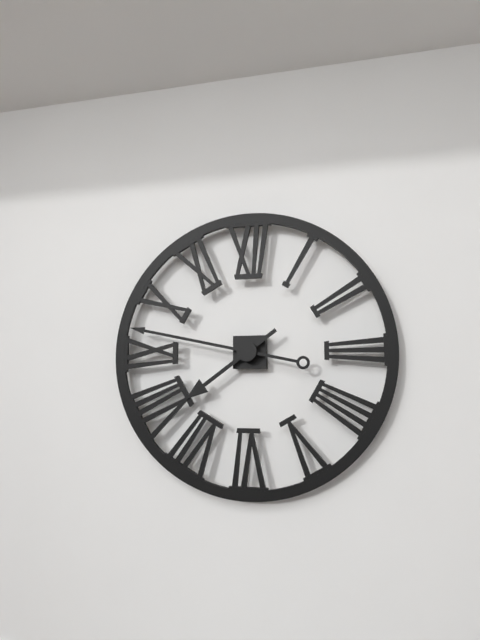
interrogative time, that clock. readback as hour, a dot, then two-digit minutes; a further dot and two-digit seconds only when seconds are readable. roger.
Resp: 7.47
